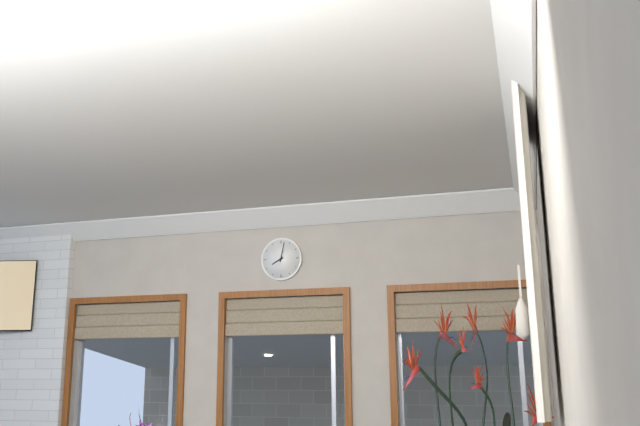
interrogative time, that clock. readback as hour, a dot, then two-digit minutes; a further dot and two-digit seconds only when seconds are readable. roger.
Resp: 8.02
